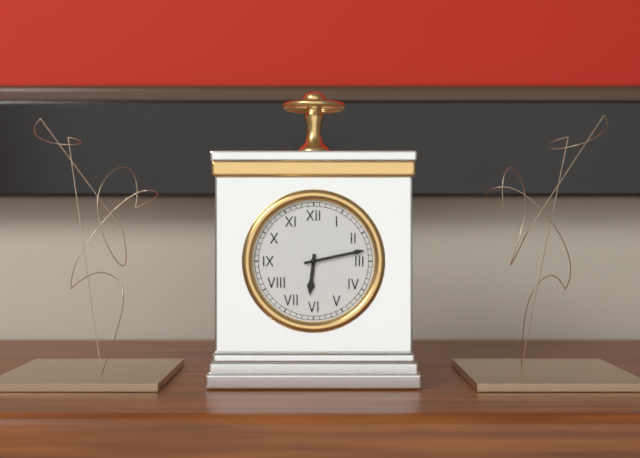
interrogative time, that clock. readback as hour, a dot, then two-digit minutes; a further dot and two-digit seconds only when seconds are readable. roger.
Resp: 6.13
